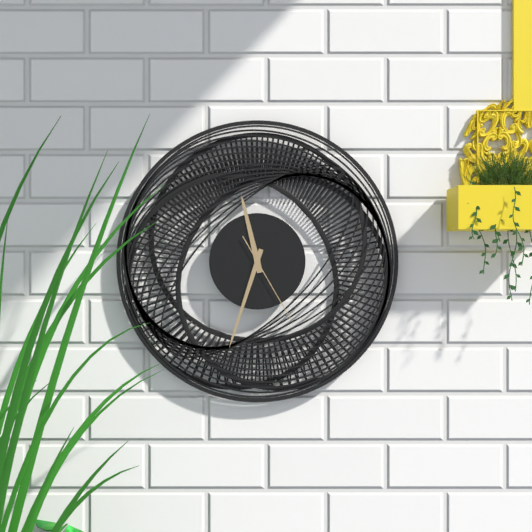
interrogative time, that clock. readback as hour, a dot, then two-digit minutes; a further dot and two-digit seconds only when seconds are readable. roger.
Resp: 11.33.25
